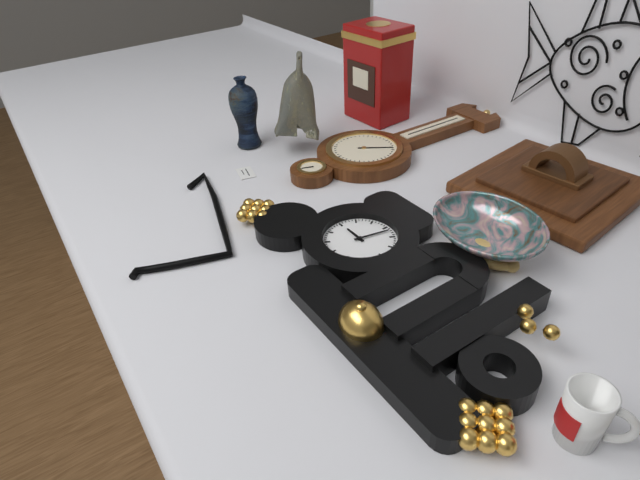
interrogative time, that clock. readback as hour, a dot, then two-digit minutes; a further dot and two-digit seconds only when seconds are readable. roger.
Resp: 9.02
